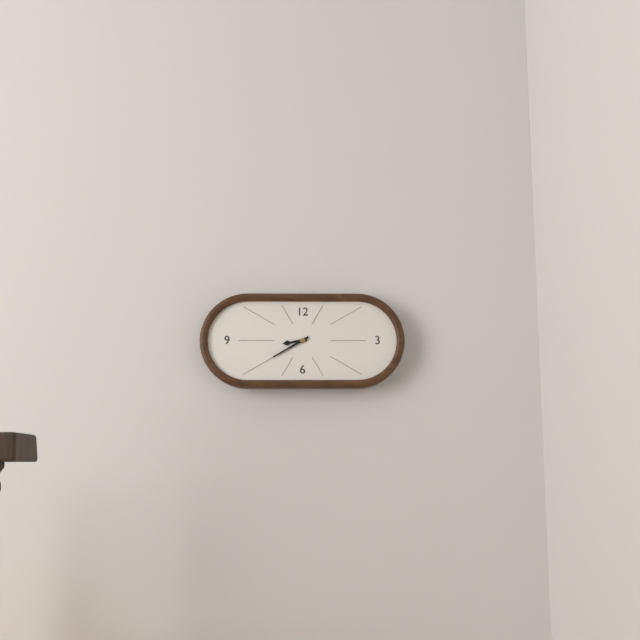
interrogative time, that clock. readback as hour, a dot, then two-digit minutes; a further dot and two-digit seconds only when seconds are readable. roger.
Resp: 8.40
